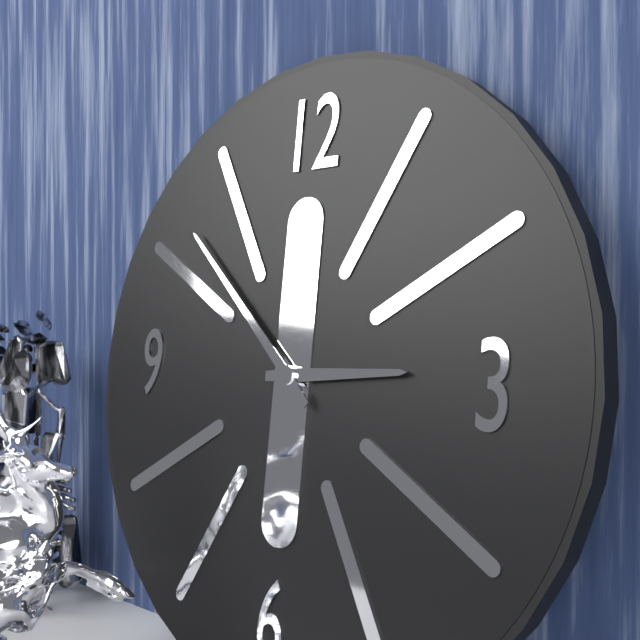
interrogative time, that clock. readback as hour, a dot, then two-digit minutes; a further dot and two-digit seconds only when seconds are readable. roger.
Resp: 2.52
